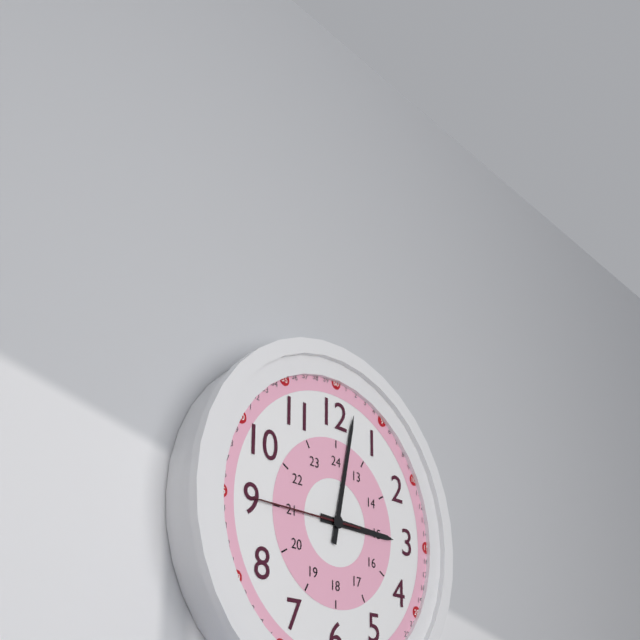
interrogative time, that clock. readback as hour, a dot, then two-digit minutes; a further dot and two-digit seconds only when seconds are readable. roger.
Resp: 3.02.45
